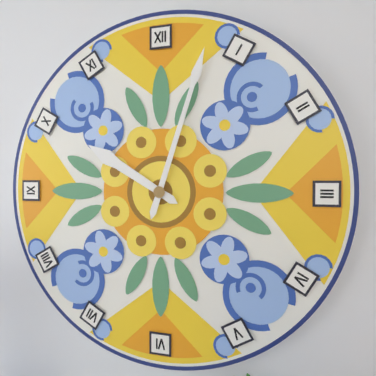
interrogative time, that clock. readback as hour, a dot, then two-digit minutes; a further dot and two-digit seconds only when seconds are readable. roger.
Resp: 10.03
